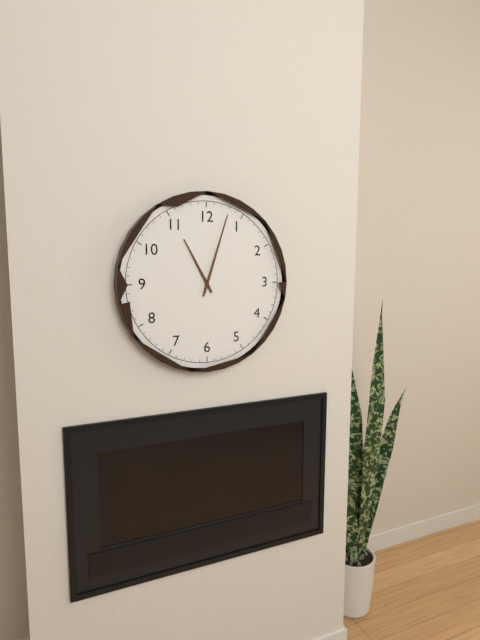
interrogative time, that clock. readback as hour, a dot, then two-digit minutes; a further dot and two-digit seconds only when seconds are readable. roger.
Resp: 11.03
